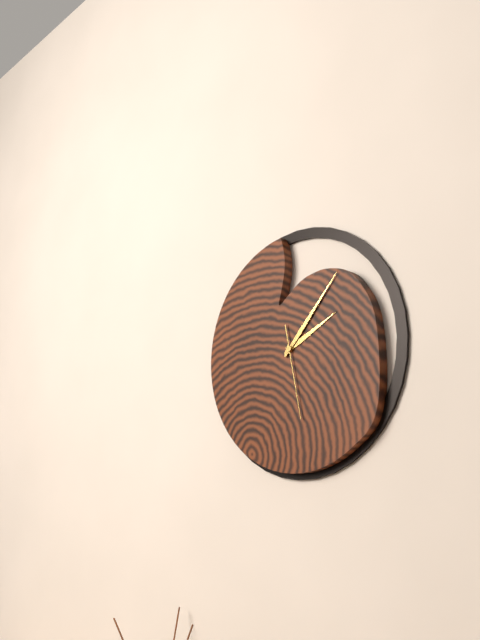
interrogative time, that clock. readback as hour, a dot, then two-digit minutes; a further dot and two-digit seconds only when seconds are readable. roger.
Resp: 2.07.28
